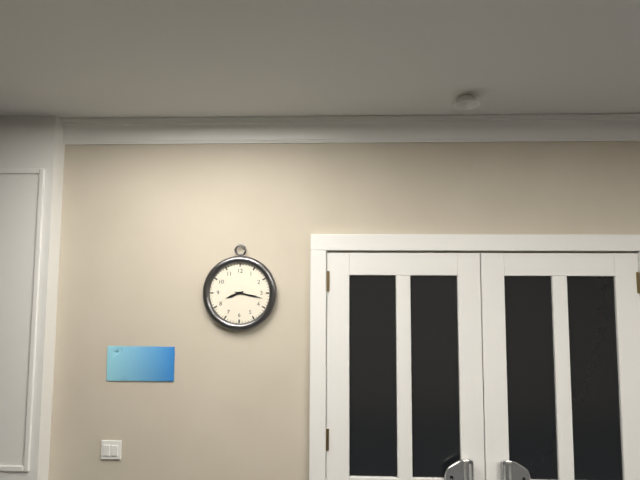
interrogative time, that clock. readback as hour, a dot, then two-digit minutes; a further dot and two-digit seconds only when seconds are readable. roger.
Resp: 8.17
